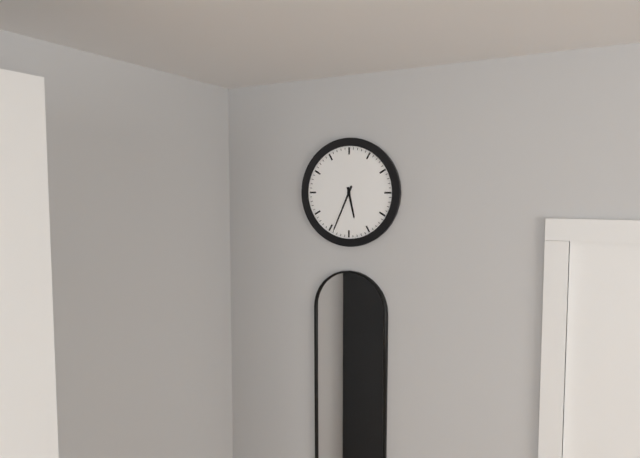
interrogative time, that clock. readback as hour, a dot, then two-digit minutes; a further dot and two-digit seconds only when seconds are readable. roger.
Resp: 5.34
